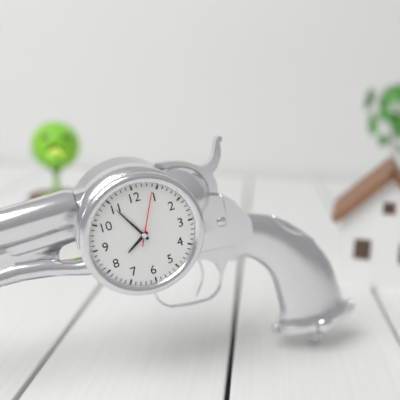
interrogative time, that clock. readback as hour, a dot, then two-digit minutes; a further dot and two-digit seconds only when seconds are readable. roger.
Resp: 7.55.04
